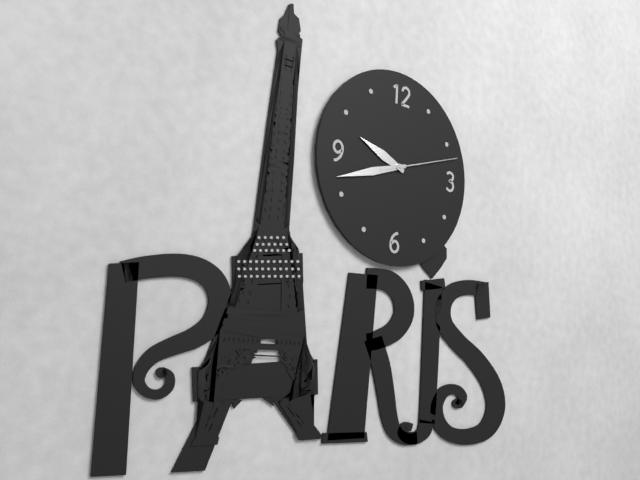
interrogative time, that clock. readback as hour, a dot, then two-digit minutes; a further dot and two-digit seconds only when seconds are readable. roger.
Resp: 9.42.12
